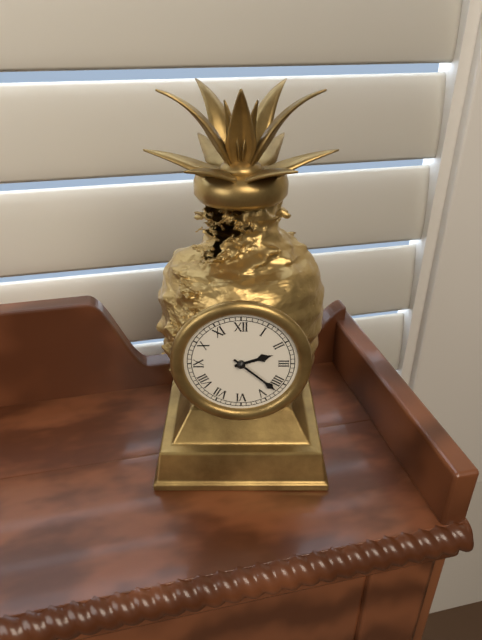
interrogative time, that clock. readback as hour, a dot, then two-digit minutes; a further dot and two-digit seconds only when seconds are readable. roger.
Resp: 2.22
